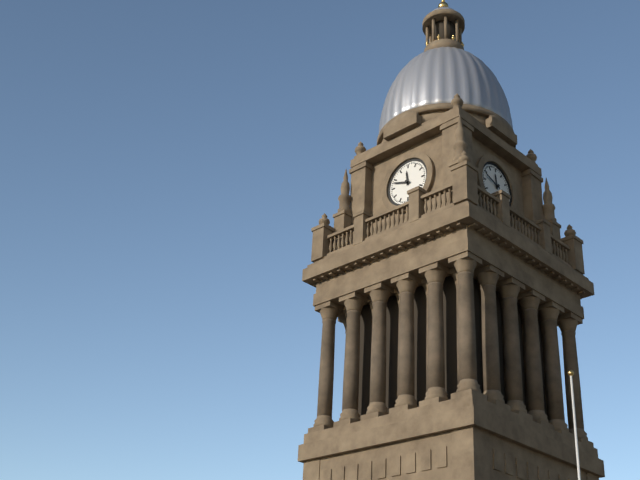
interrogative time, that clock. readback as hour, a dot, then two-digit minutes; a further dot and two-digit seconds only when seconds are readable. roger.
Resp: 11.48
